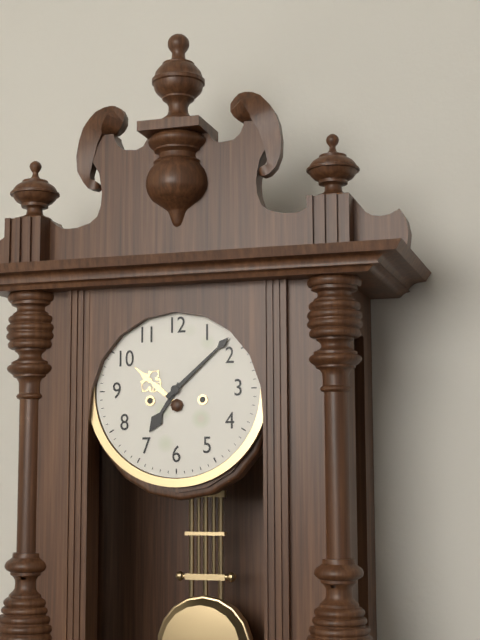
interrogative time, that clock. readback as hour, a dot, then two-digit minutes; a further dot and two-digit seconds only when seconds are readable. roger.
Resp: 7.08
